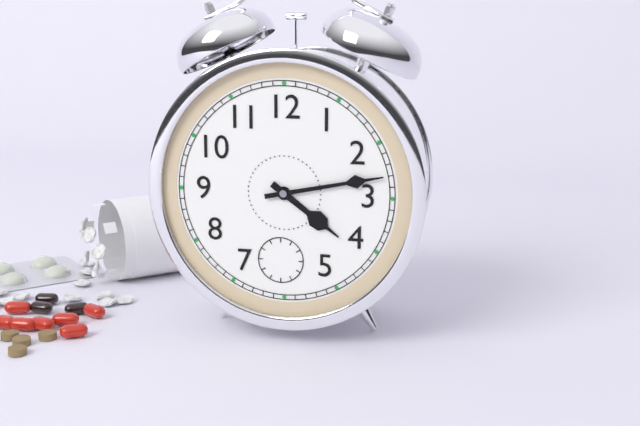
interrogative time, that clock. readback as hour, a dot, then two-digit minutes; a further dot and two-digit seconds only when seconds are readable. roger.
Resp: 4.13
